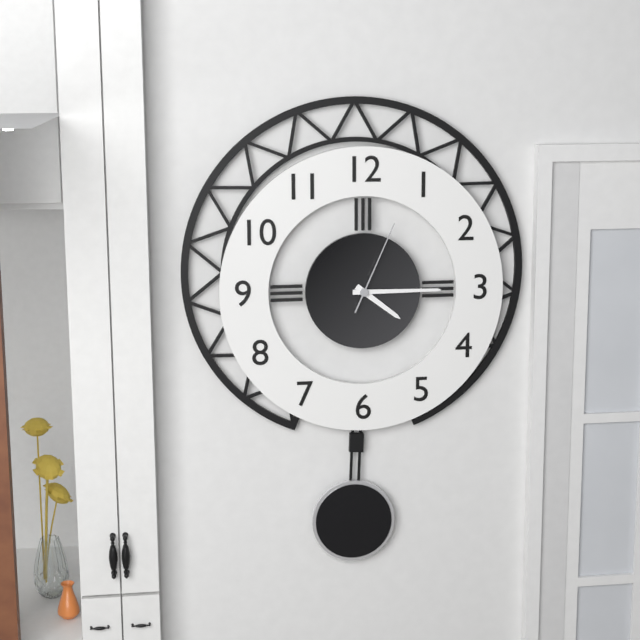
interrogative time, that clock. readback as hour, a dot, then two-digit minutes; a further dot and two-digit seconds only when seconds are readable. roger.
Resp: 4.15.04
